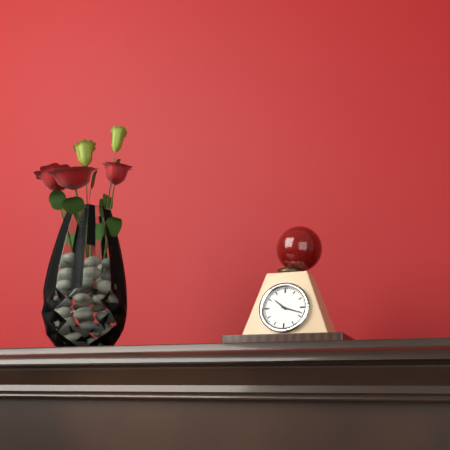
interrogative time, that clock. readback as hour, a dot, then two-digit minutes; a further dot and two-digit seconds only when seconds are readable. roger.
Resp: 10.18
